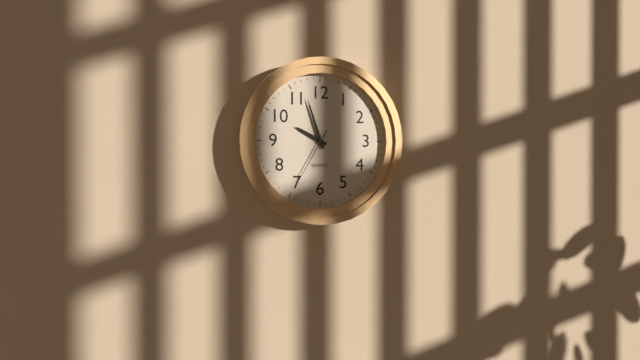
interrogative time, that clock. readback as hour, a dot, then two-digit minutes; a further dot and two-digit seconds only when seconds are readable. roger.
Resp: 9.57.35
